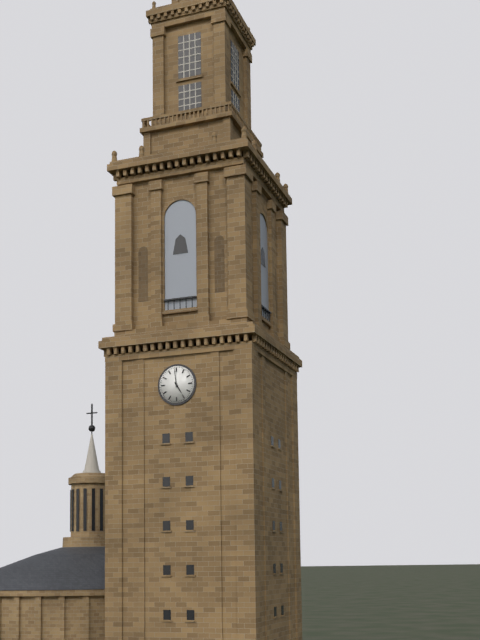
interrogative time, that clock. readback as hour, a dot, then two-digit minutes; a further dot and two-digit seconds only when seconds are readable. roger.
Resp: 4.59
